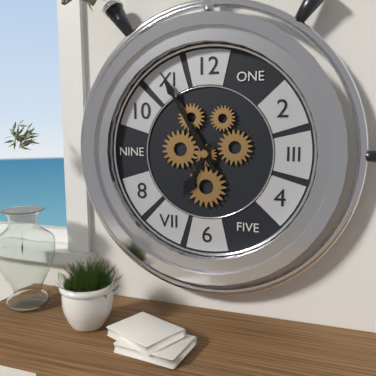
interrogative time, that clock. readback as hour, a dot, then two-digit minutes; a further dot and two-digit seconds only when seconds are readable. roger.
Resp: 6.55
